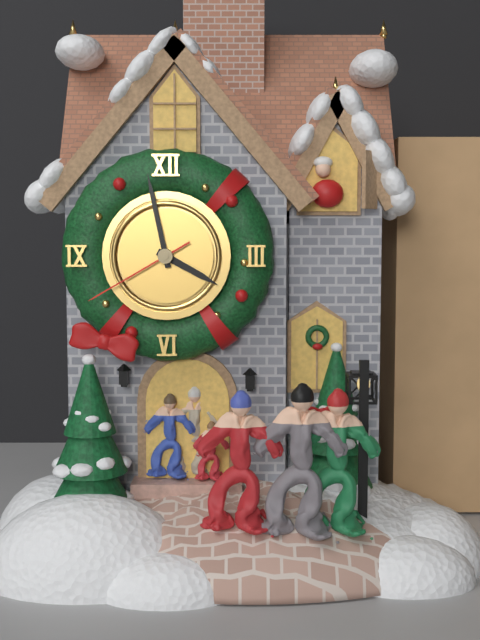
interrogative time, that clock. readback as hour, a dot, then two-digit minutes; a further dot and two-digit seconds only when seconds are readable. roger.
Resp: 3.58.40
